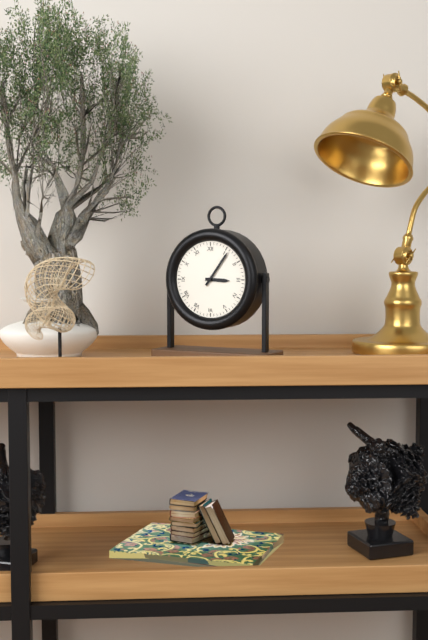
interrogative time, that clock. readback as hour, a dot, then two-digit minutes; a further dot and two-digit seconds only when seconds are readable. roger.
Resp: 3.06
